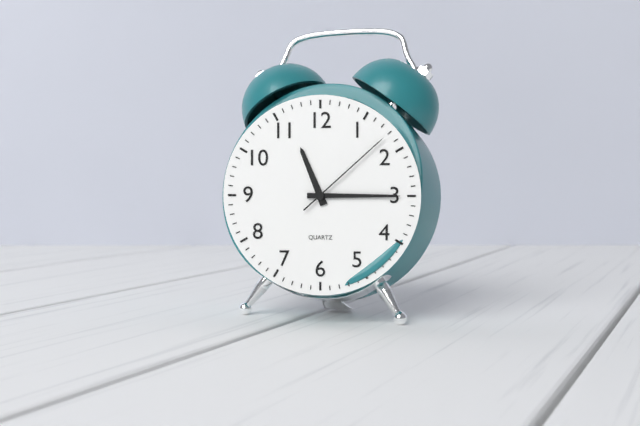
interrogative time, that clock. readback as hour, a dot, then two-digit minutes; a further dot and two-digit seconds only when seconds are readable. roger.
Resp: 11.15.08
